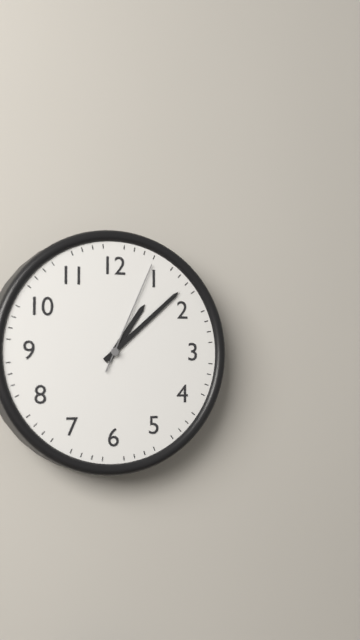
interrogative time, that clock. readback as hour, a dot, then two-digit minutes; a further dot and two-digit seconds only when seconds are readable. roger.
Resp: 1.08.04
